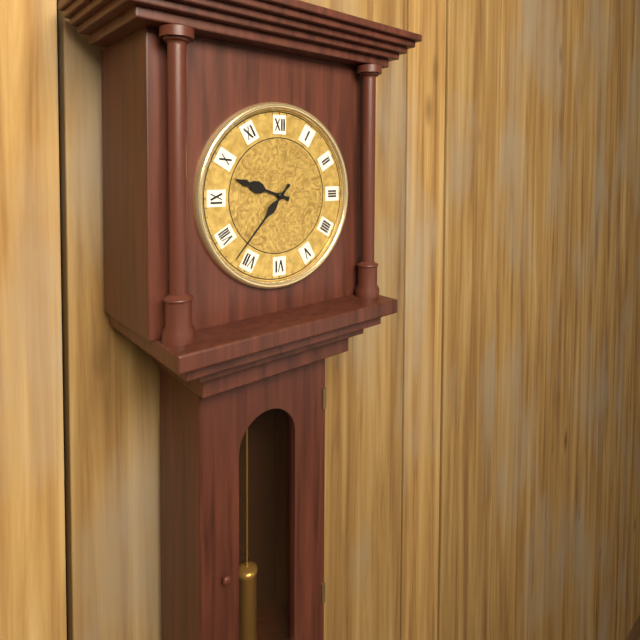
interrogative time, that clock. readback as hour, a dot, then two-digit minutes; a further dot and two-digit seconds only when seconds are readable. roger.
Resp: 9.37
